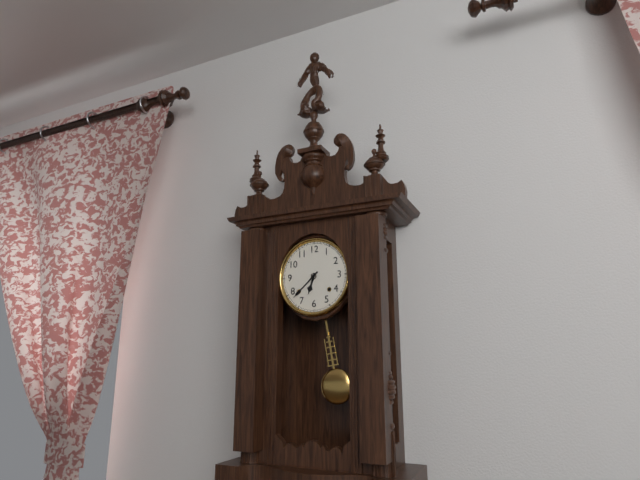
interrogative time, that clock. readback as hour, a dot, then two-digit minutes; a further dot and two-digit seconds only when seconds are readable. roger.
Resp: 6.38
